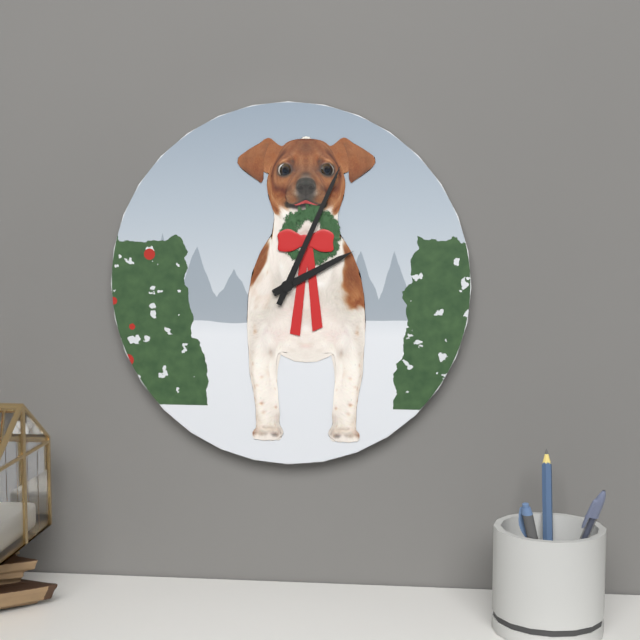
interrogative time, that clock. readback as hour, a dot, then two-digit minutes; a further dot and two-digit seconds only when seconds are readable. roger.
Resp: 2.04
